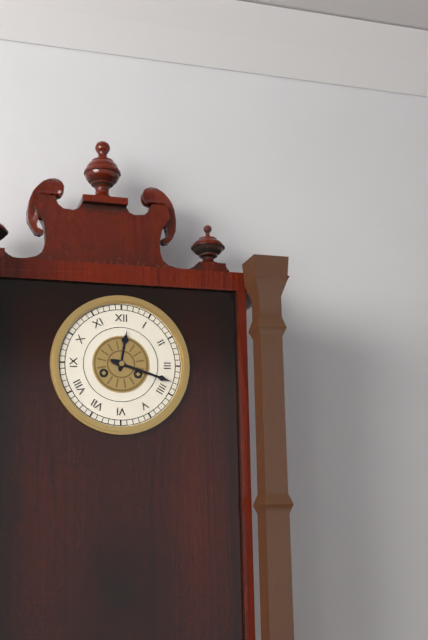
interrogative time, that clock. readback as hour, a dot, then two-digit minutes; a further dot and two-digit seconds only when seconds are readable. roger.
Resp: 12.18
